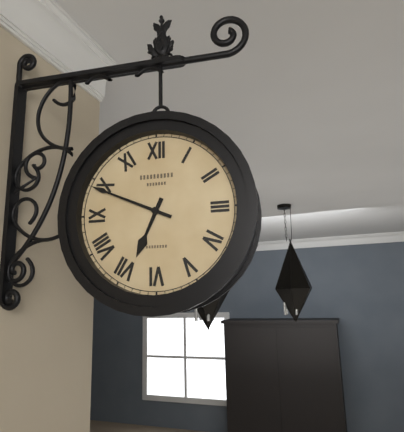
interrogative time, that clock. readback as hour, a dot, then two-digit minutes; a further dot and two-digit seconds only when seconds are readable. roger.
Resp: 6.49
